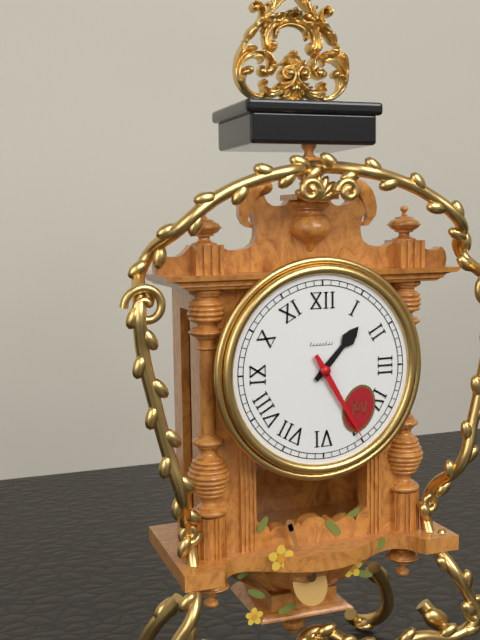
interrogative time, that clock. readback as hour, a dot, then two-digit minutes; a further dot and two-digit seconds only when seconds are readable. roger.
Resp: 1.25
